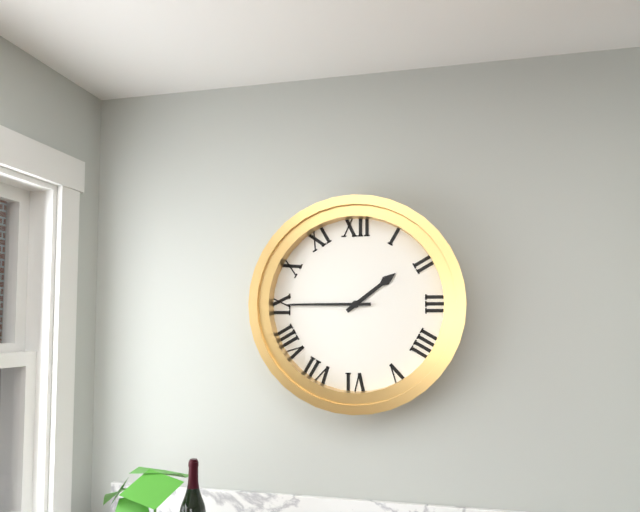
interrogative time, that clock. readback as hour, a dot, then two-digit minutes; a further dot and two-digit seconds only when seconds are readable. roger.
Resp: 1.45
